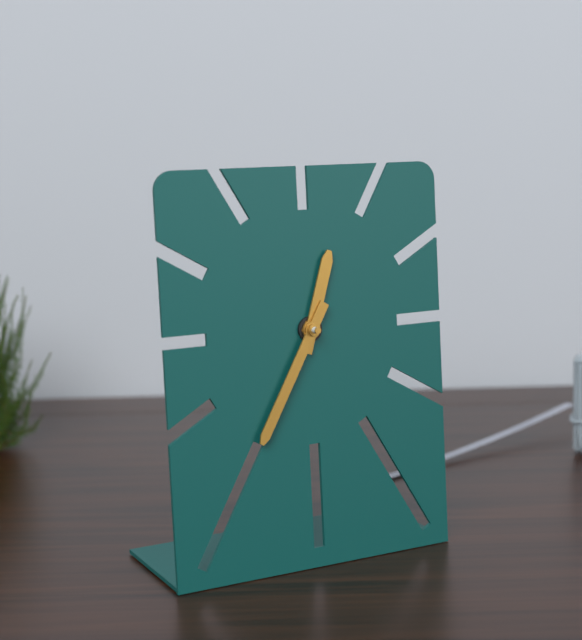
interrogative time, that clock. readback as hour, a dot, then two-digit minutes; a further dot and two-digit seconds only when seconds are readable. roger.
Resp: 12.35
